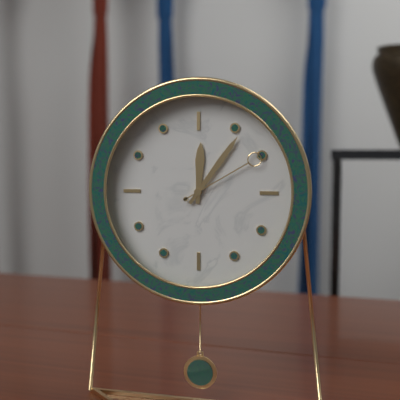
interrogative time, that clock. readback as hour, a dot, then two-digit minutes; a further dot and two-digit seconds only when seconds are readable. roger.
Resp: 12.06.10
